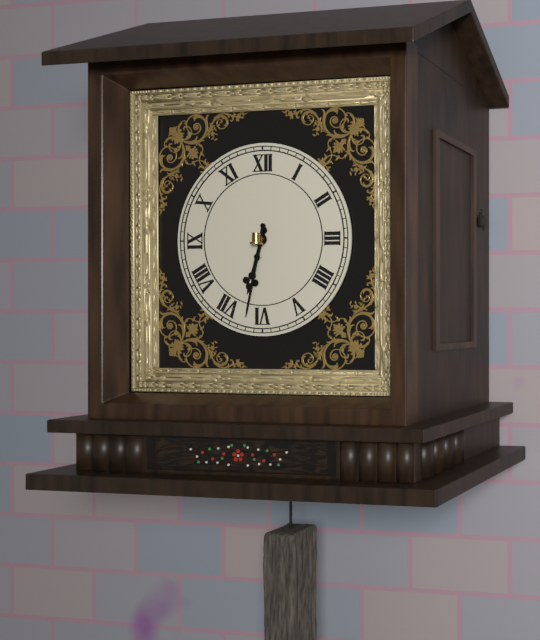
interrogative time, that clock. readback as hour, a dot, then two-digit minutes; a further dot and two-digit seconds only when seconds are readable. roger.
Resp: 6.32
